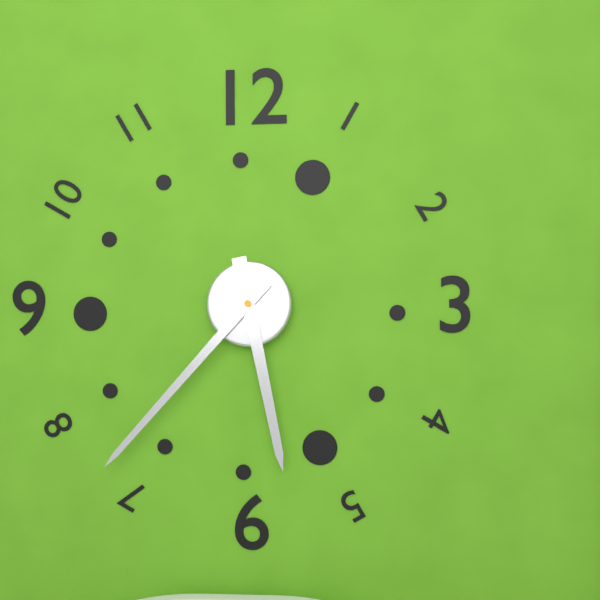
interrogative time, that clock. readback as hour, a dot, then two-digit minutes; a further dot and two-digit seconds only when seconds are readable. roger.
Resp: 5.37
